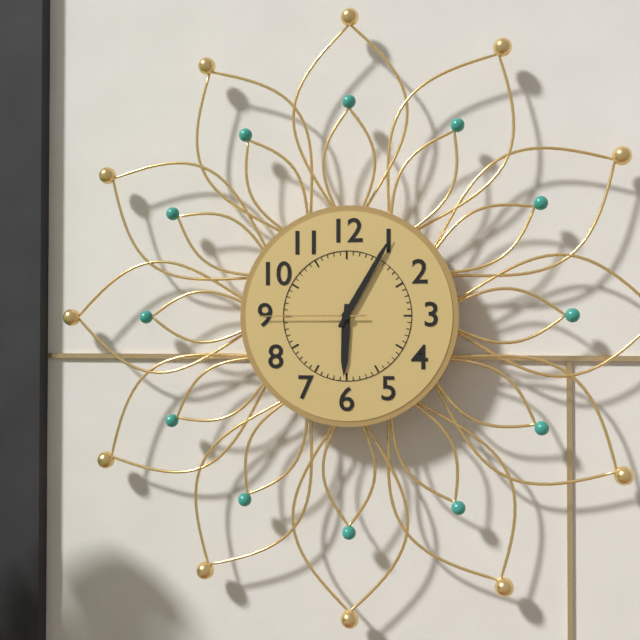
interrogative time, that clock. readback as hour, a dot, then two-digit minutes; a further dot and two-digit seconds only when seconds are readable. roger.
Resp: 6.05.45
